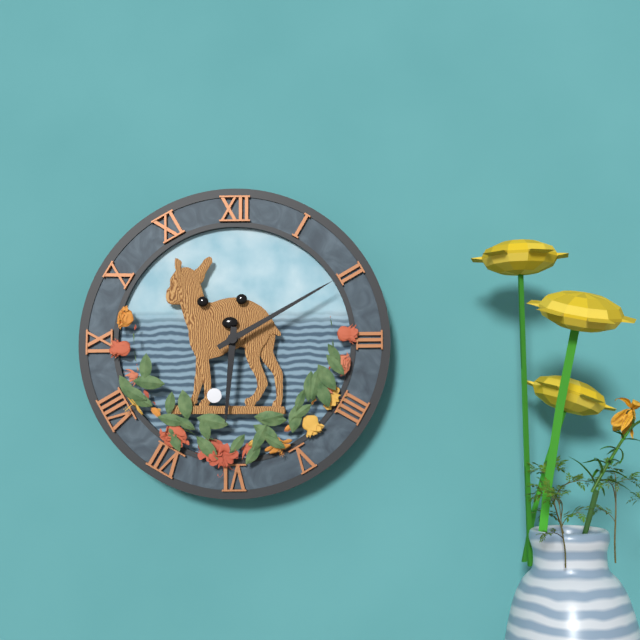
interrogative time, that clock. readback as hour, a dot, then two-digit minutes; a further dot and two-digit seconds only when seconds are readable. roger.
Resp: 6.10
